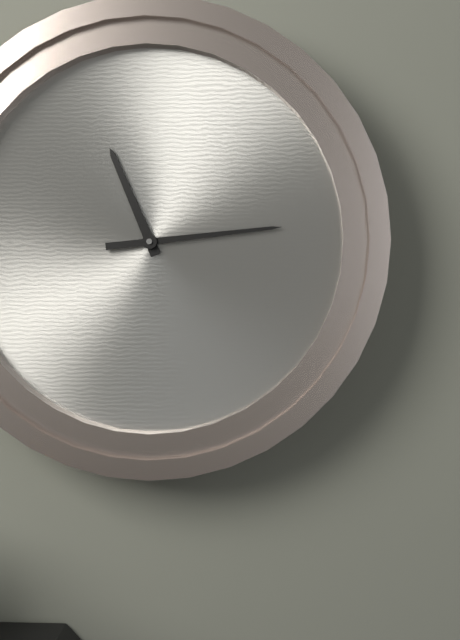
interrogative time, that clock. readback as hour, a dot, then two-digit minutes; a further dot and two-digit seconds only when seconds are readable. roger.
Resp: 11.14
